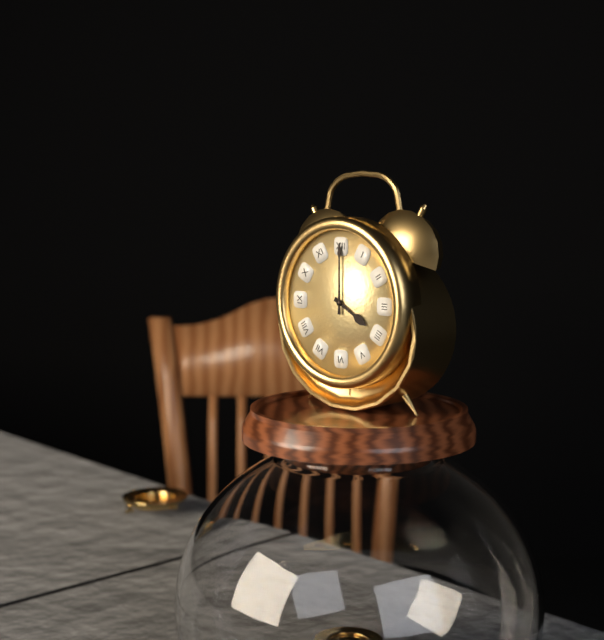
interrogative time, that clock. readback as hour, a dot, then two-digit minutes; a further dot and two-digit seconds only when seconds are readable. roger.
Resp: 4.00
